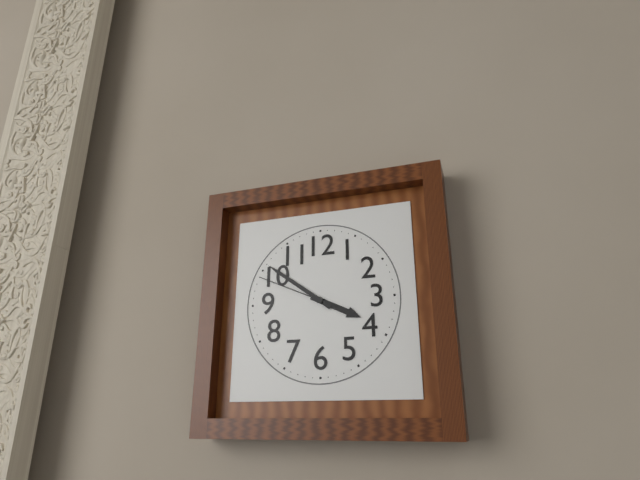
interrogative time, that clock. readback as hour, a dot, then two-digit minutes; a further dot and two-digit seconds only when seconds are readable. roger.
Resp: 3.51.49
